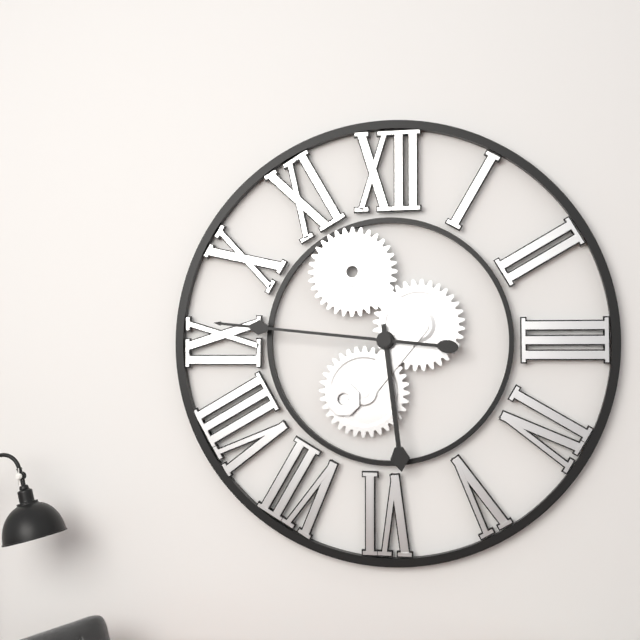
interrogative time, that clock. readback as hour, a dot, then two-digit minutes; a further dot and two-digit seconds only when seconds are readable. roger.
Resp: 5.46
